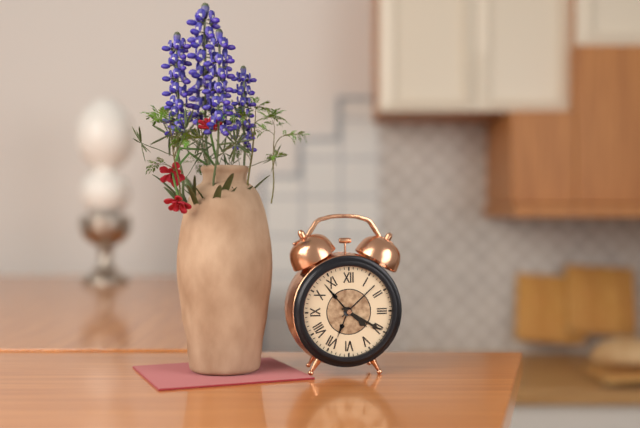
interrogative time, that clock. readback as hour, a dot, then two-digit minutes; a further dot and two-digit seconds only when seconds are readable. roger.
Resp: 4.20
